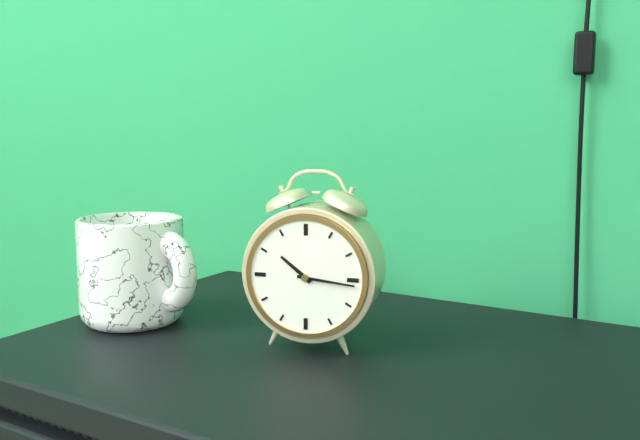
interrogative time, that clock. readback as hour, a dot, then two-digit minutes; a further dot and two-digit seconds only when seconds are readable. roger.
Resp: 10.16
